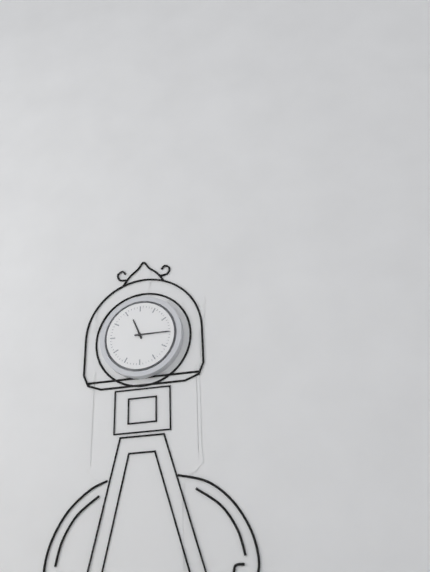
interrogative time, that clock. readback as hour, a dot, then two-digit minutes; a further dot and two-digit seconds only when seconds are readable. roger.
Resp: 11.15
